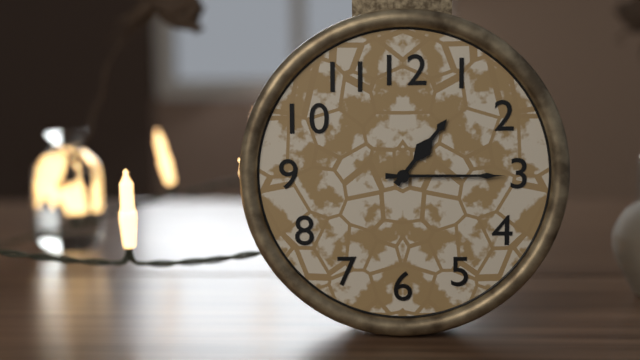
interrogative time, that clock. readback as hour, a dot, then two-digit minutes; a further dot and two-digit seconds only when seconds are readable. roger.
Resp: 1.15
